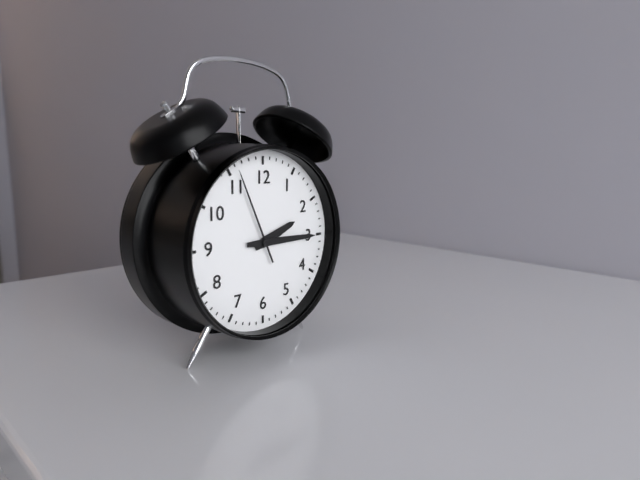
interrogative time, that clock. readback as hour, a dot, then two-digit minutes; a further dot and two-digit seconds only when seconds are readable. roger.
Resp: 2.15.56
